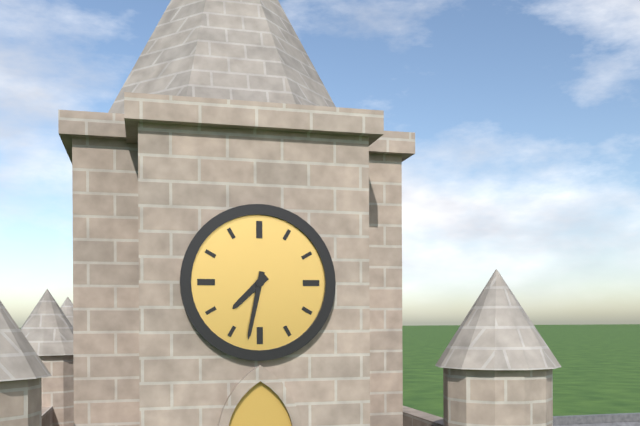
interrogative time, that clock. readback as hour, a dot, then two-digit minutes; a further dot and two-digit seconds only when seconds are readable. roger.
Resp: 7.32
